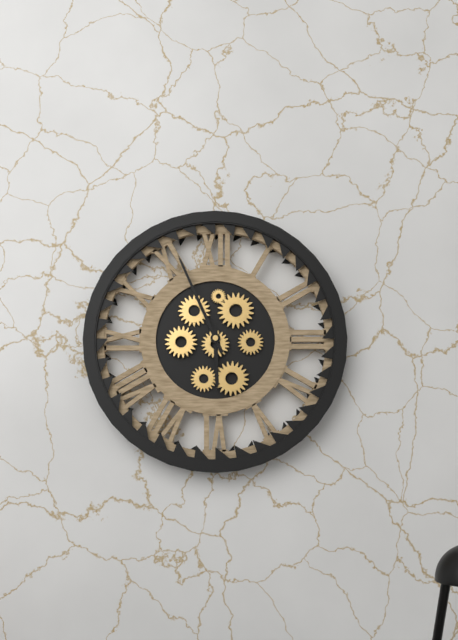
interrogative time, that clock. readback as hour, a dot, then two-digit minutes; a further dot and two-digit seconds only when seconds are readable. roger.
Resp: 5.56
